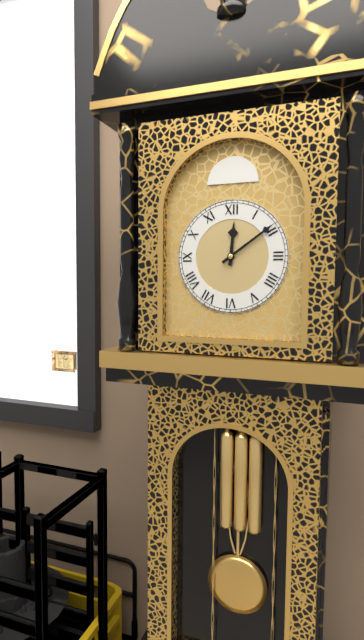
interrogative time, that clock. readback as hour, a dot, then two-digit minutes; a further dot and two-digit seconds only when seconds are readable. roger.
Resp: 12.09
